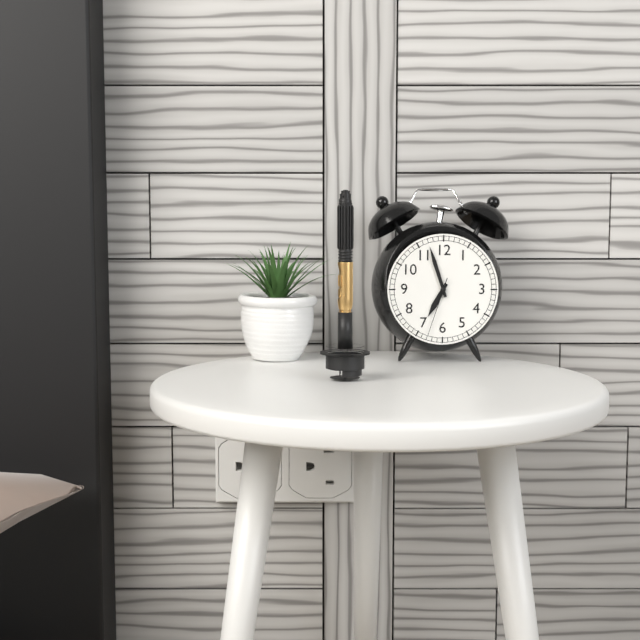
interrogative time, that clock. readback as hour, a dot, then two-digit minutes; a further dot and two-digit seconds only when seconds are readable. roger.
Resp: 6.57.33
